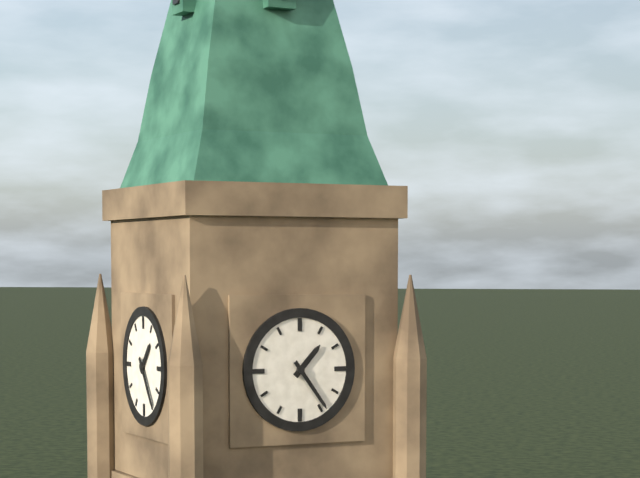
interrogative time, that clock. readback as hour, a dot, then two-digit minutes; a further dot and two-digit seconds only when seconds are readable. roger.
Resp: 1.24
